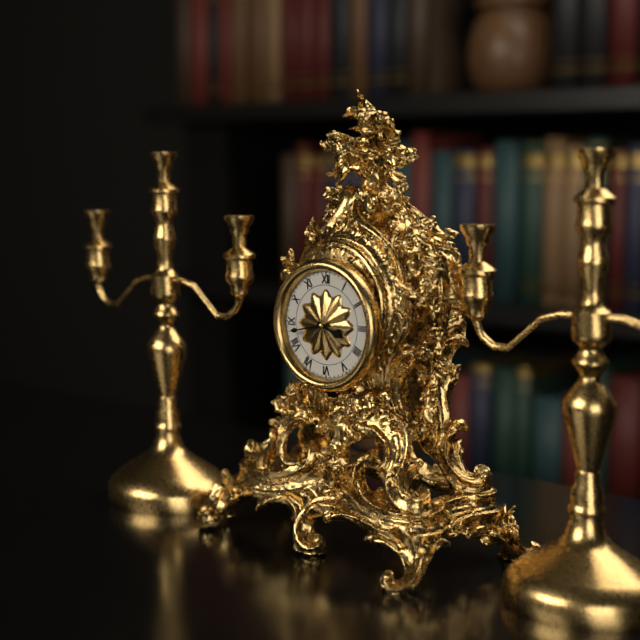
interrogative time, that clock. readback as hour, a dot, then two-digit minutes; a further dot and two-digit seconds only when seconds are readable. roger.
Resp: 3.43
